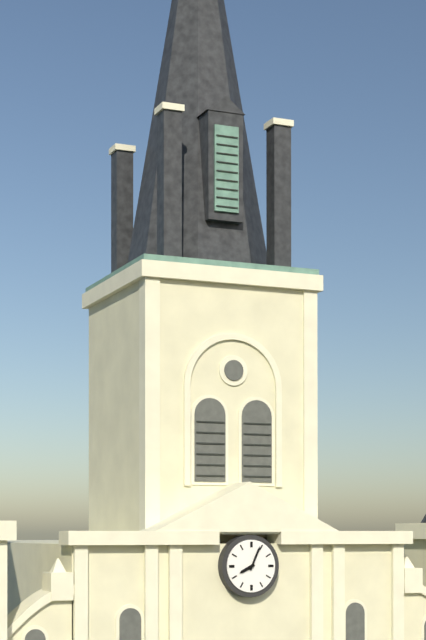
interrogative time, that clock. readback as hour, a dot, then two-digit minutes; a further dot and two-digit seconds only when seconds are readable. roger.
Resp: 8.04
